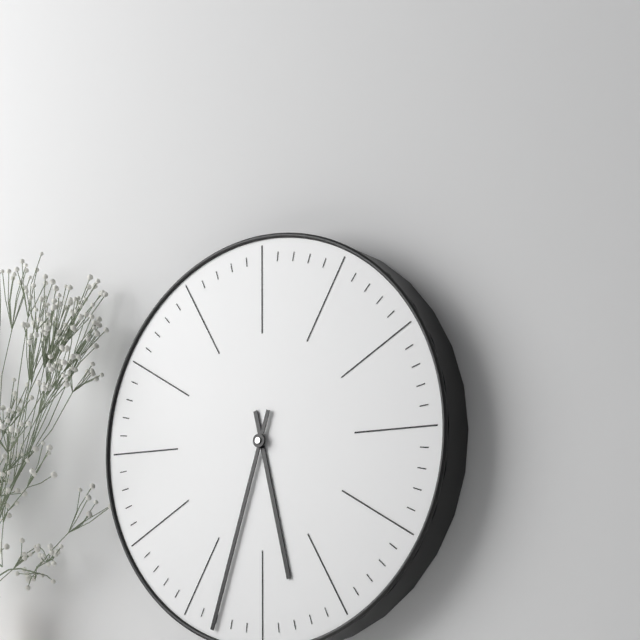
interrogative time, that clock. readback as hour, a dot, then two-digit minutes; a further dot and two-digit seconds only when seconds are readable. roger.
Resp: 5.33
